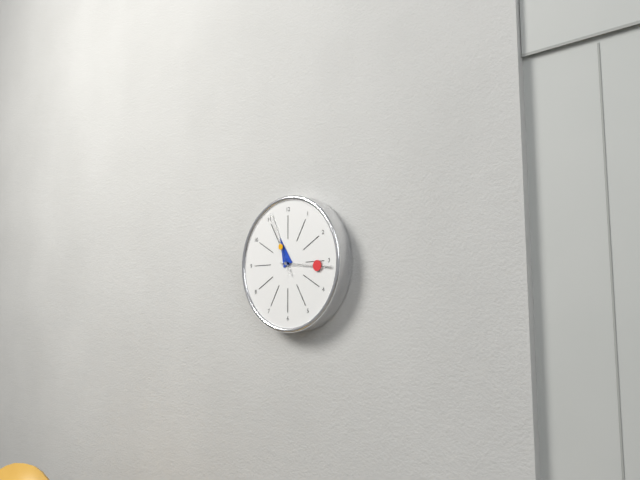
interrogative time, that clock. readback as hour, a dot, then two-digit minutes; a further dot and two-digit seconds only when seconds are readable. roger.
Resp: 11.16.56
